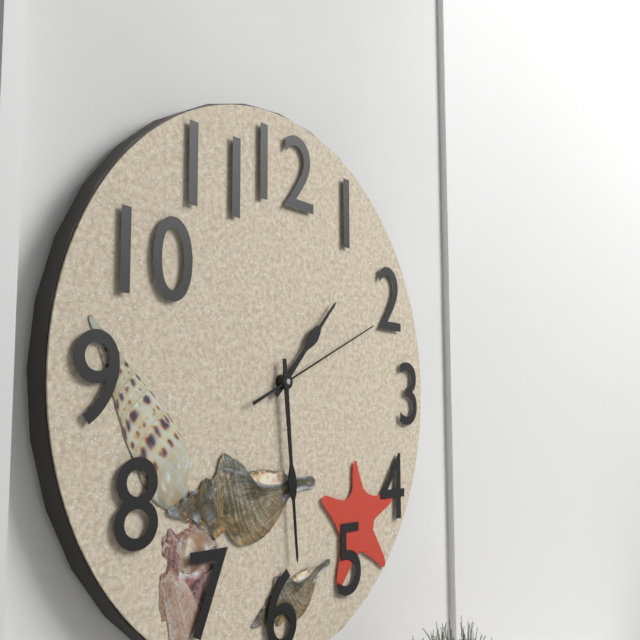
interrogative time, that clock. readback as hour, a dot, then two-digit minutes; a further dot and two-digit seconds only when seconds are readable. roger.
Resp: 1.29.11
